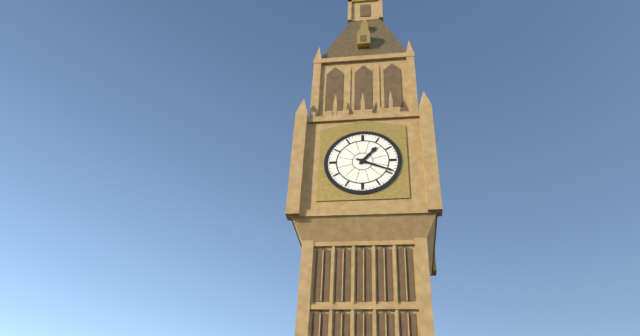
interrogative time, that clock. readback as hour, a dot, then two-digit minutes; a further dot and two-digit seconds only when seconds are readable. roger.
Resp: 1.19
